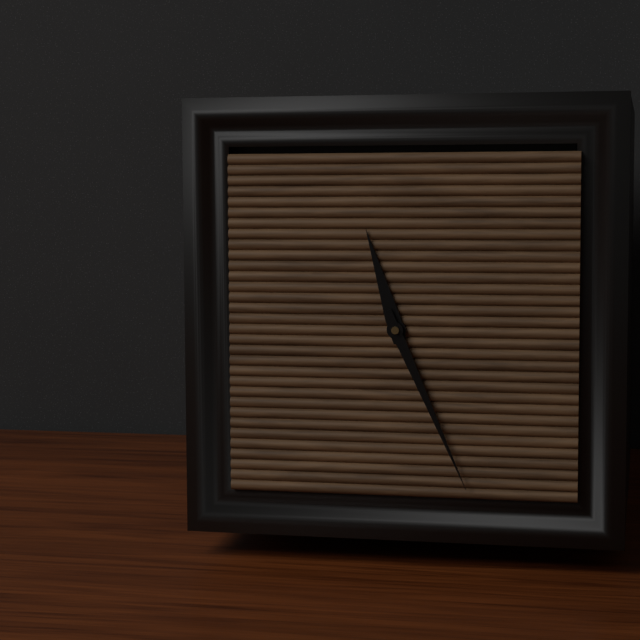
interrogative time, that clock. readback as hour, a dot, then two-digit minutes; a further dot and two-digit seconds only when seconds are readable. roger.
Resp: 11.26
